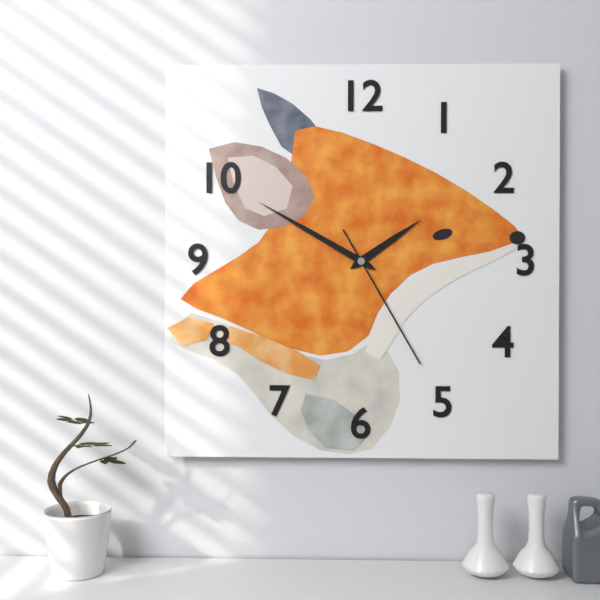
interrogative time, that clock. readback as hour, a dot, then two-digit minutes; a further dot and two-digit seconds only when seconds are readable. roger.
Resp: 1.50.25
